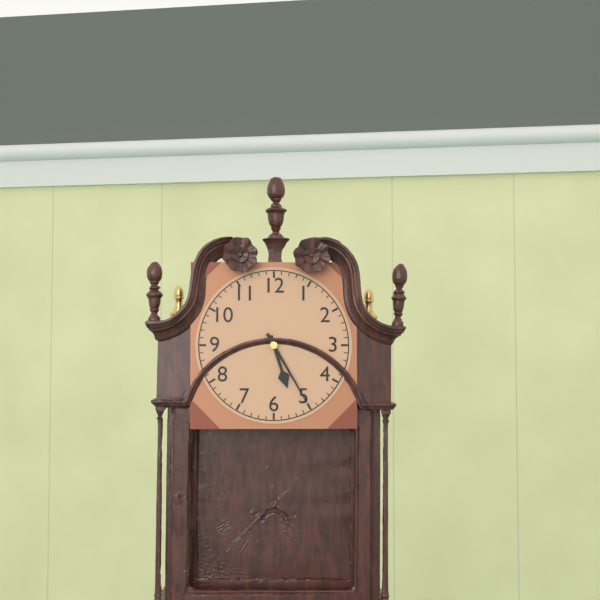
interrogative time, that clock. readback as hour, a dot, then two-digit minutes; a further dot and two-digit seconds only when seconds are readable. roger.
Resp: 5.25
